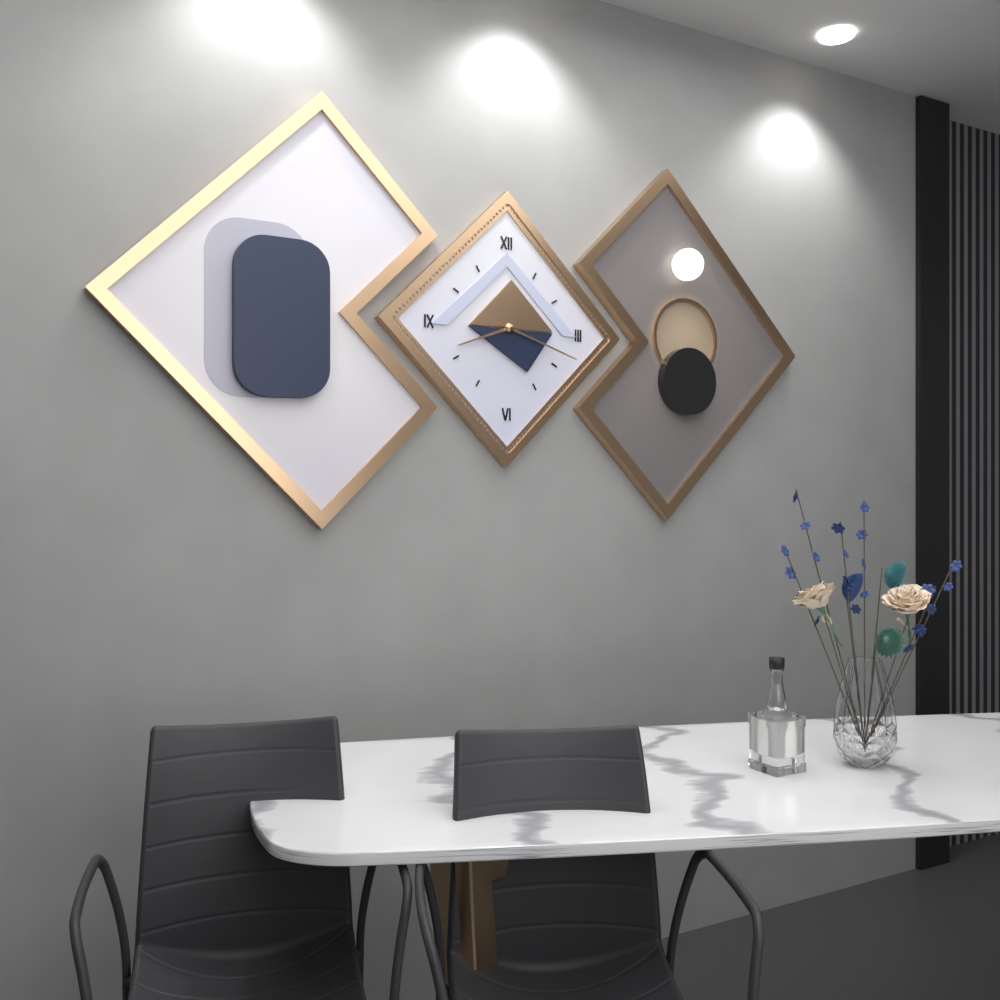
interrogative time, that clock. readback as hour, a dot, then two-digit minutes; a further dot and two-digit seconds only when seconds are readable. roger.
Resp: 8.18
